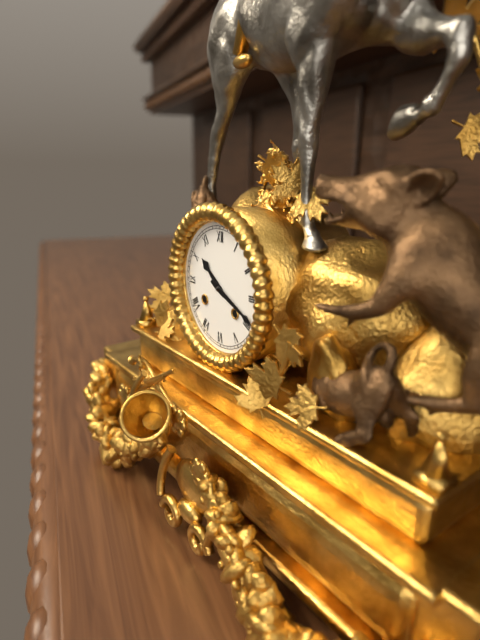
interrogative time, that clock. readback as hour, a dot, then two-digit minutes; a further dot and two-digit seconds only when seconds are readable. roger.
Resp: 10.19
